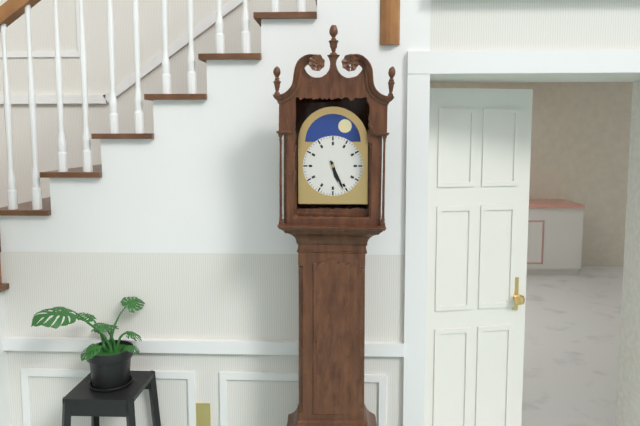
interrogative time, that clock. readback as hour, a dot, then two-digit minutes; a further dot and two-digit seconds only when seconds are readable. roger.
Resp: 5.26
